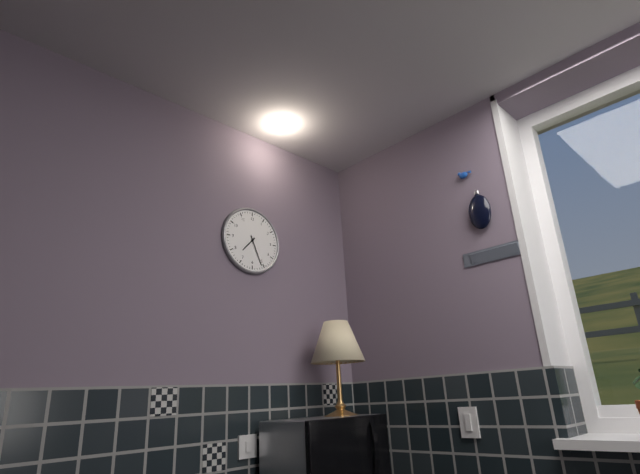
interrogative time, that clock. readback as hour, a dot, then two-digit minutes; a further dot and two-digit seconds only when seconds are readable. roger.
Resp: 7.26
